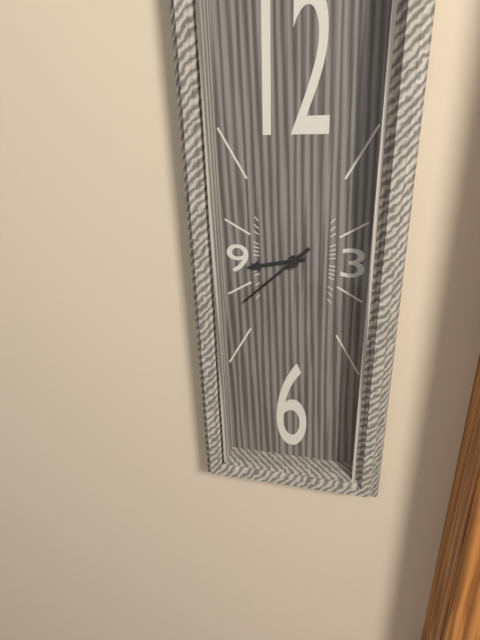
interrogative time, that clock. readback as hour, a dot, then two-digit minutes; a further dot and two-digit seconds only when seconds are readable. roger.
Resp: 8.38
